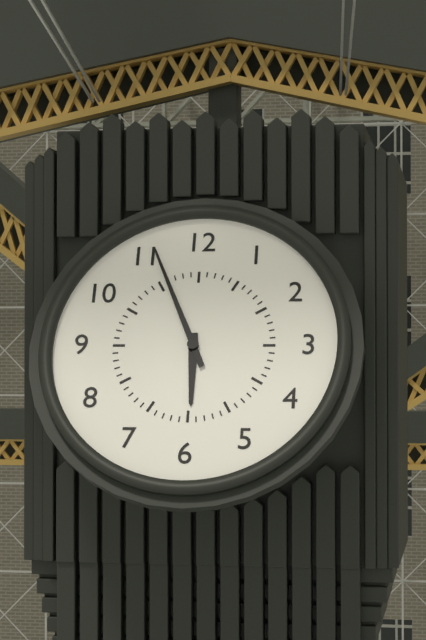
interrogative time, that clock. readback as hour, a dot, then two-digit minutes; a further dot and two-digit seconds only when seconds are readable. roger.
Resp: 5.56
